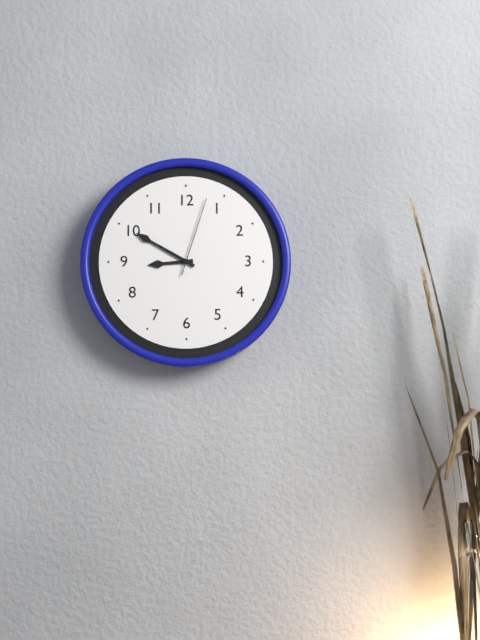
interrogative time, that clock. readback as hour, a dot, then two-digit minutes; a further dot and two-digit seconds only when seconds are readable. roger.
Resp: 8.50.03
